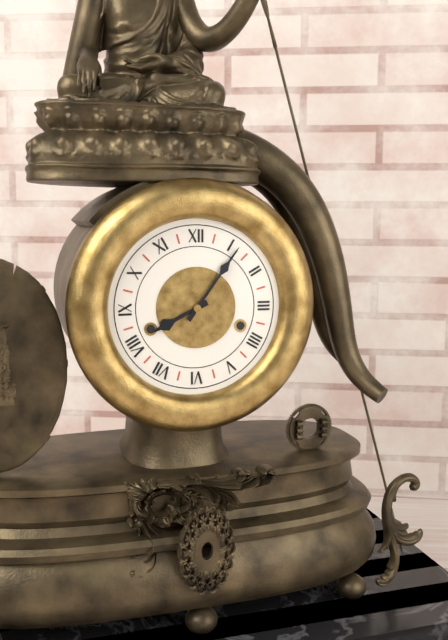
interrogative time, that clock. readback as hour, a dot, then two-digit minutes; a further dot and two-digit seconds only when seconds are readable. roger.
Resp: 8.06
